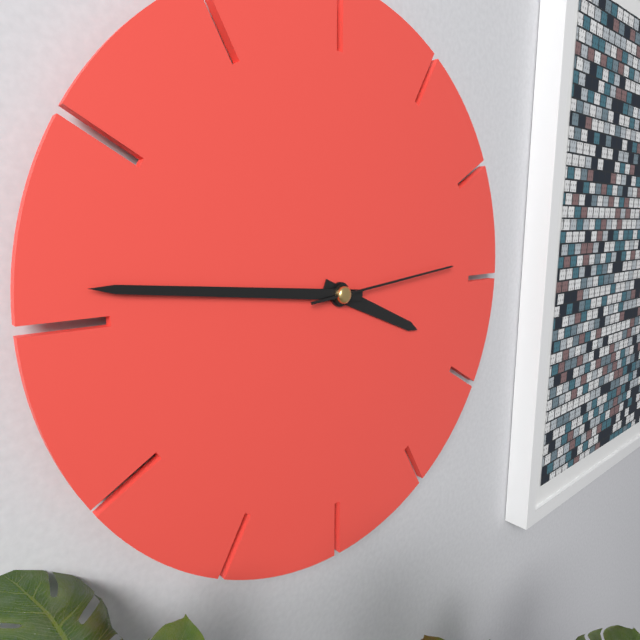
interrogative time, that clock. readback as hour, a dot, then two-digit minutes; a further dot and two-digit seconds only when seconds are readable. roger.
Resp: 3.46.14
